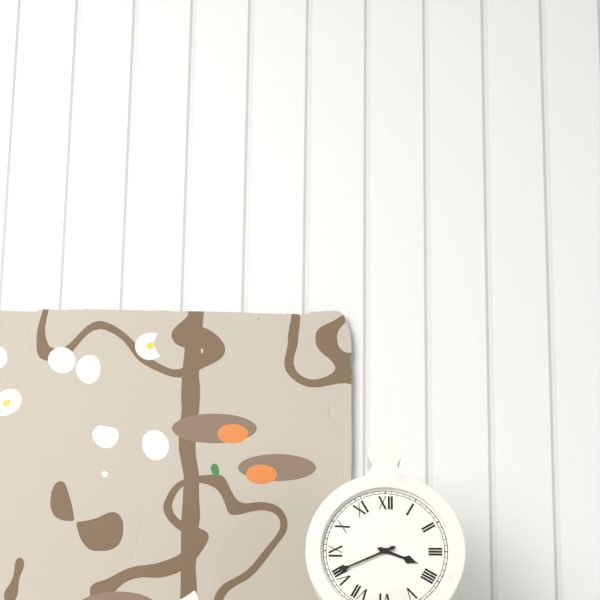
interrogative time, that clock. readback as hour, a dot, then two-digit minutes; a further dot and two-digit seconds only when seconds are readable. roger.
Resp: 3.41
